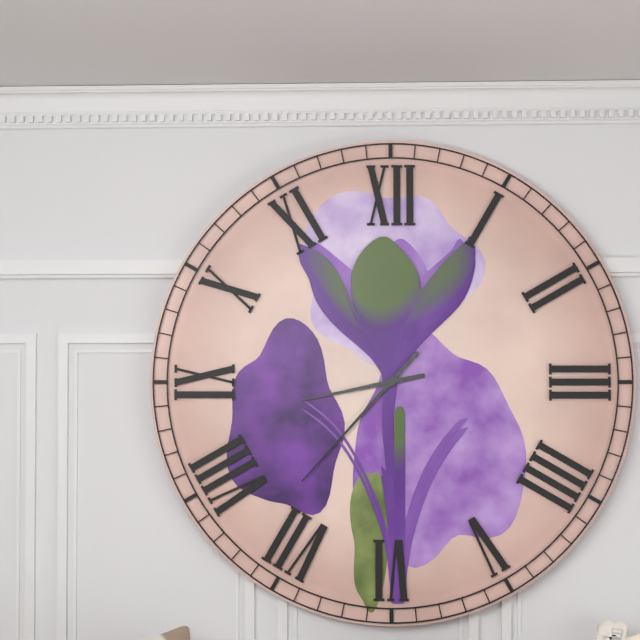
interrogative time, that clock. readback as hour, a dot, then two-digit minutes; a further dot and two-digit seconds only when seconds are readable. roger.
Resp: 8.37
